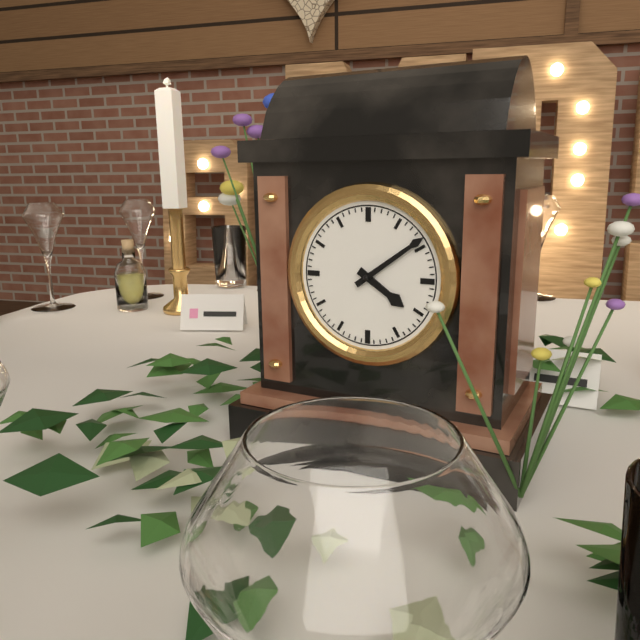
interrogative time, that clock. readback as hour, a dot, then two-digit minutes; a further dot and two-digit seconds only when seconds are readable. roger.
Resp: 4.09
